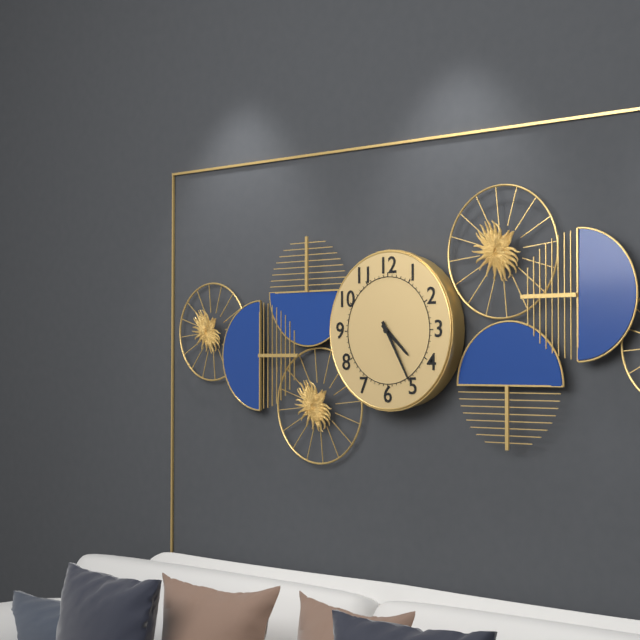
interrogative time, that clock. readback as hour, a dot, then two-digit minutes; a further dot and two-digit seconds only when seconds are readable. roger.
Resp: 4.25
